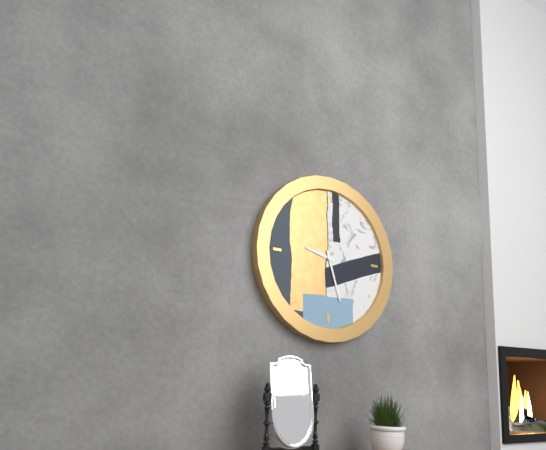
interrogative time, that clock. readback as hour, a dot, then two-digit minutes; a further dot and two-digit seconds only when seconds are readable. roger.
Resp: 9.27
